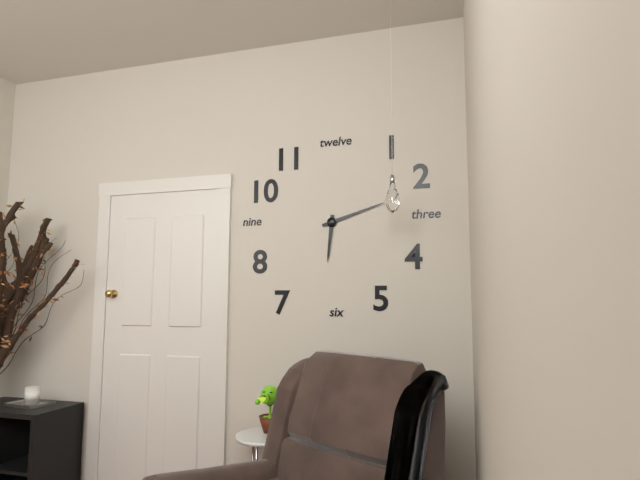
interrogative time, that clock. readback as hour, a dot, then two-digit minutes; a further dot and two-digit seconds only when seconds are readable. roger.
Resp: 6.12
